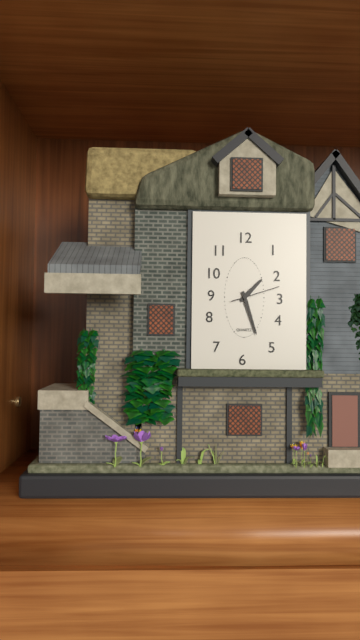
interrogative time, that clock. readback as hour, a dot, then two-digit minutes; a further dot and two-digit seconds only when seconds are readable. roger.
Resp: 1.27
